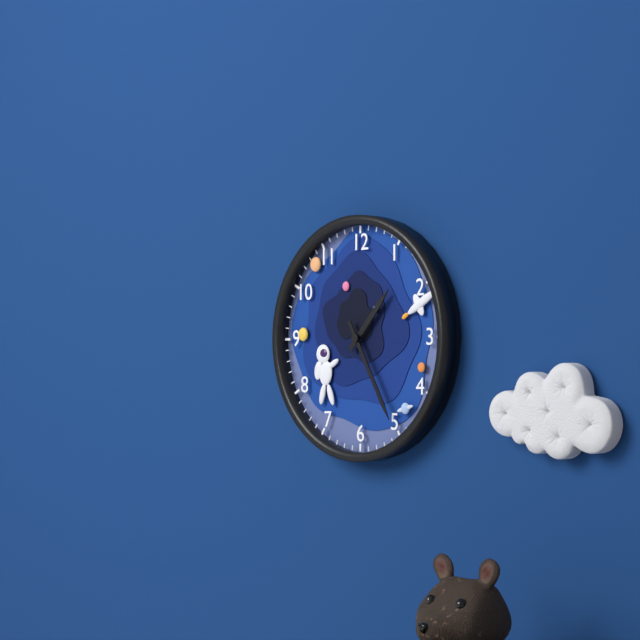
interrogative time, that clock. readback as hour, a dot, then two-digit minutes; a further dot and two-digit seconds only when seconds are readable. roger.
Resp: 1.25
